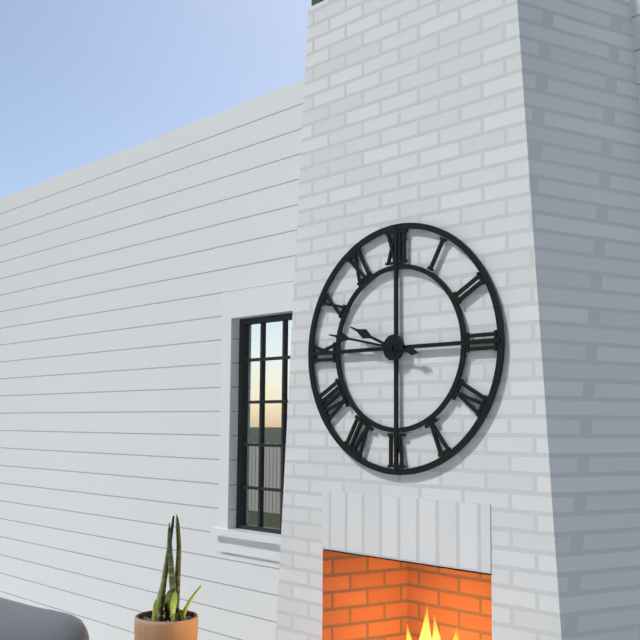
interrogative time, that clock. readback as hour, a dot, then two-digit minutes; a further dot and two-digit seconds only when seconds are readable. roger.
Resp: 9.47
